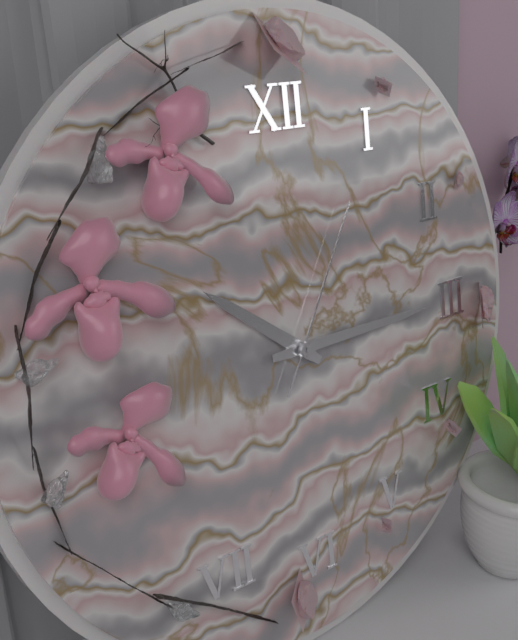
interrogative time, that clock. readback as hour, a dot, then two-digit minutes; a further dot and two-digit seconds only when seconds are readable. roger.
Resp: 10.15.05
